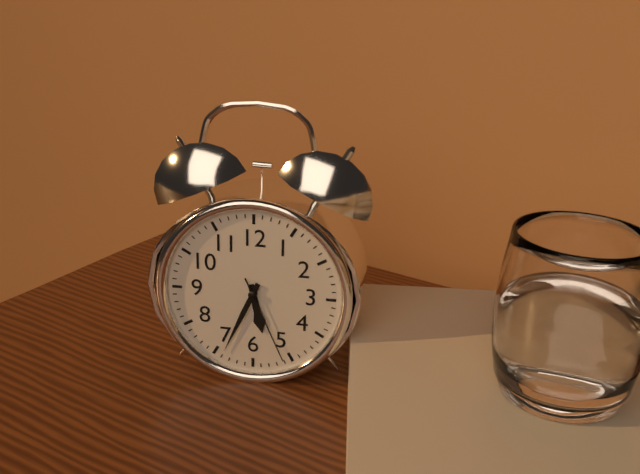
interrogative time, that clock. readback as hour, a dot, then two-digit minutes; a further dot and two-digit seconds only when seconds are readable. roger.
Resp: 5.34.26
